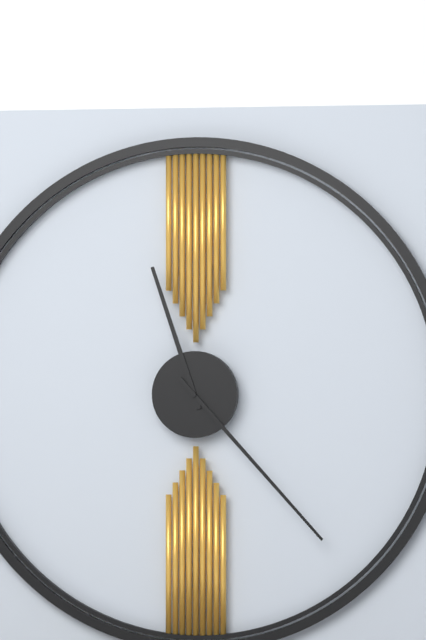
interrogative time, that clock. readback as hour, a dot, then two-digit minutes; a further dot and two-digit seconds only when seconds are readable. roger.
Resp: 11.23
